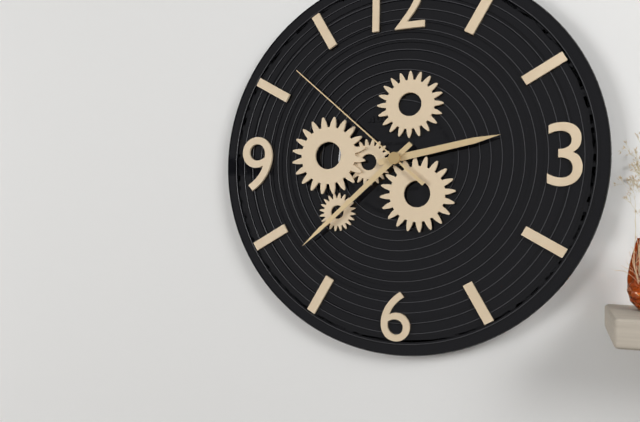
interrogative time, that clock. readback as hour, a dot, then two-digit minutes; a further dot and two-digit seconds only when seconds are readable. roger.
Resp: 2.38.52
